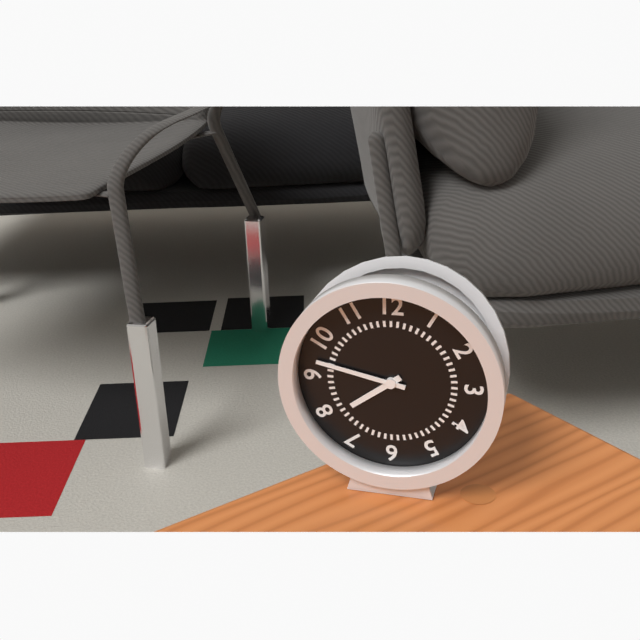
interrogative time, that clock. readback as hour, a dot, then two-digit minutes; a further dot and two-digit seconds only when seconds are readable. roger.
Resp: 7.47
